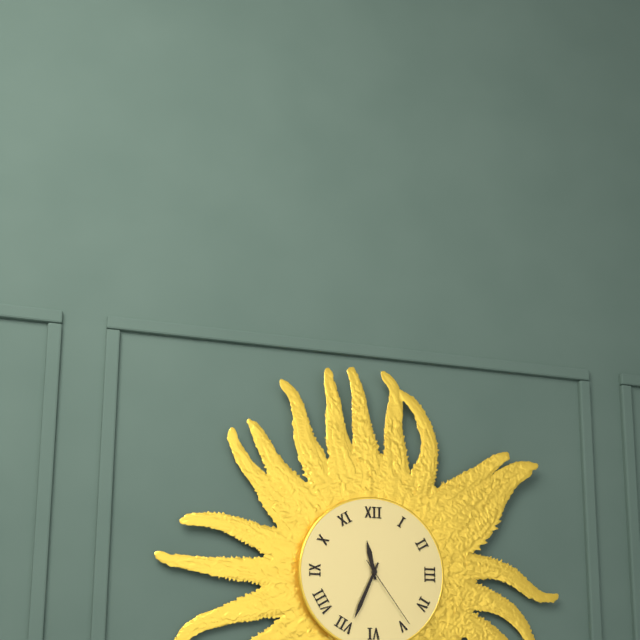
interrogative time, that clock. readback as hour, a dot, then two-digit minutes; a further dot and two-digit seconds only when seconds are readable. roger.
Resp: 11.34.24
